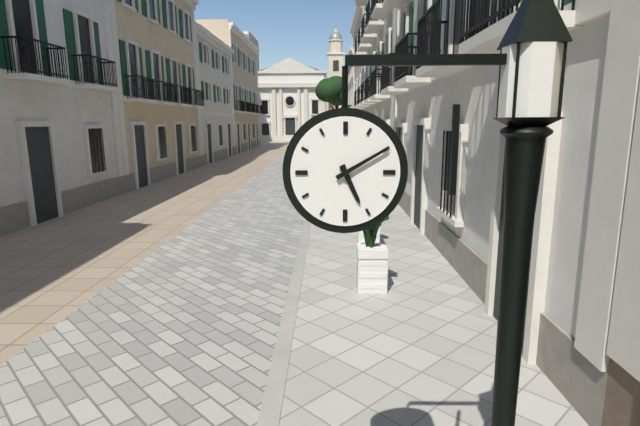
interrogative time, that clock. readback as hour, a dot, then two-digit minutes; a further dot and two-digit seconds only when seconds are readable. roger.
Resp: 5.10
